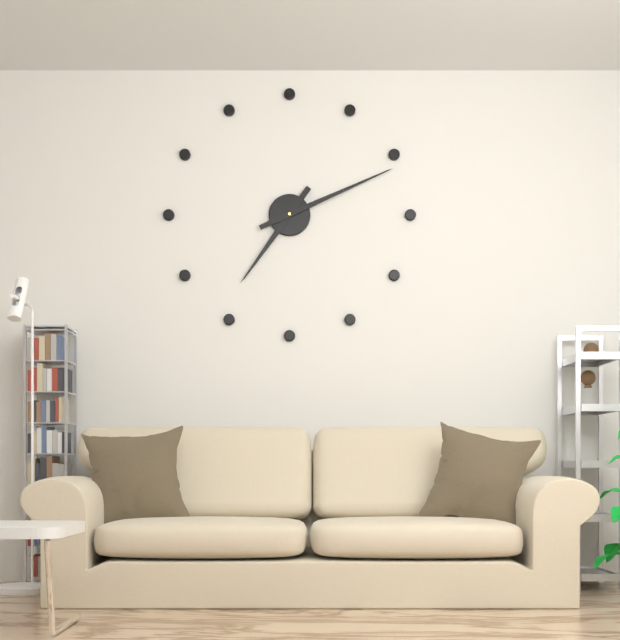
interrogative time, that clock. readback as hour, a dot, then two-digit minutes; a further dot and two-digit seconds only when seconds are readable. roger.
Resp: 7.11
